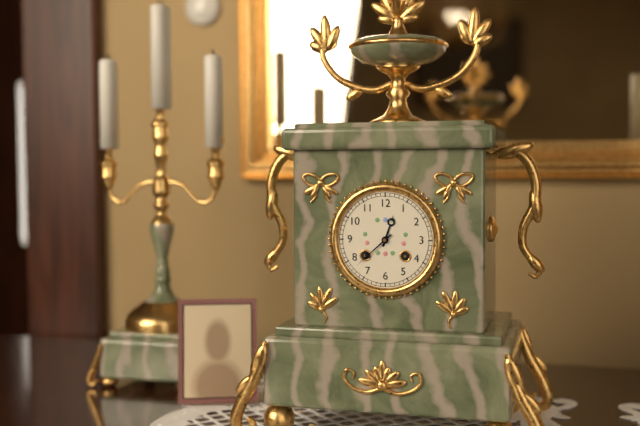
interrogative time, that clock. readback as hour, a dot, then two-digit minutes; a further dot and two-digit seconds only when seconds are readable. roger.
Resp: 12.38
